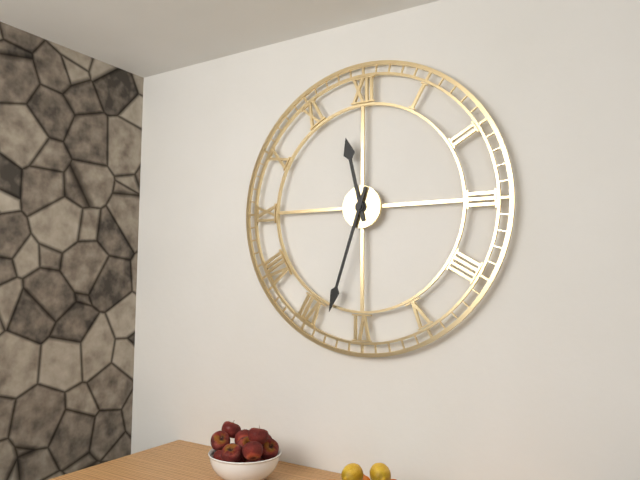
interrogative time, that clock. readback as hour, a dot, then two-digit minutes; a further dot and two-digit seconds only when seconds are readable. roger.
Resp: 11.33
